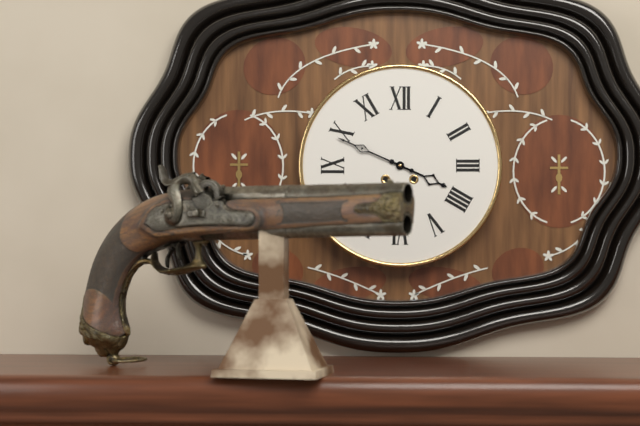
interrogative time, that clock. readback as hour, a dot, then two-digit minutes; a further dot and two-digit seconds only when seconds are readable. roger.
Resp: 3.49
